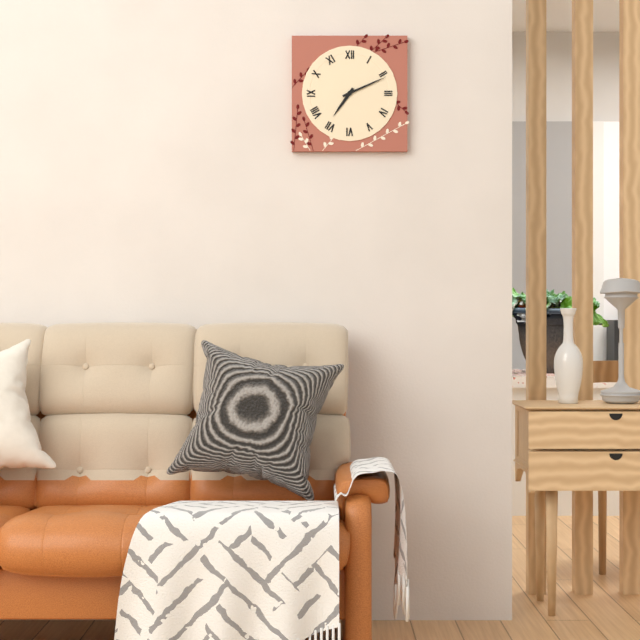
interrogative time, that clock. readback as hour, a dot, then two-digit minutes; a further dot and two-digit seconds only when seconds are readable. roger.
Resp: 7.11
